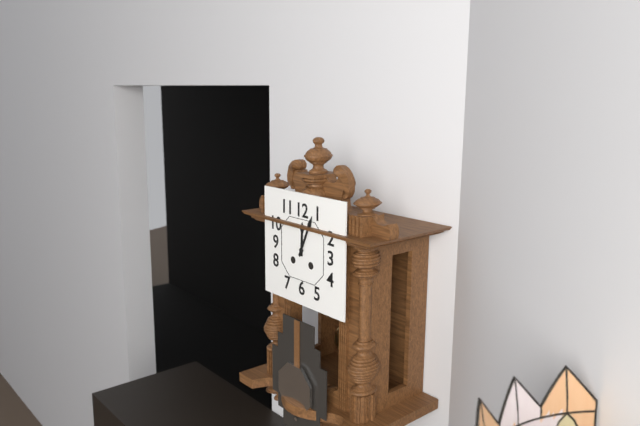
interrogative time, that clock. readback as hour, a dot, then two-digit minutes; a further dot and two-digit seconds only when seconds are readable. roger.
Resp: 12.04
